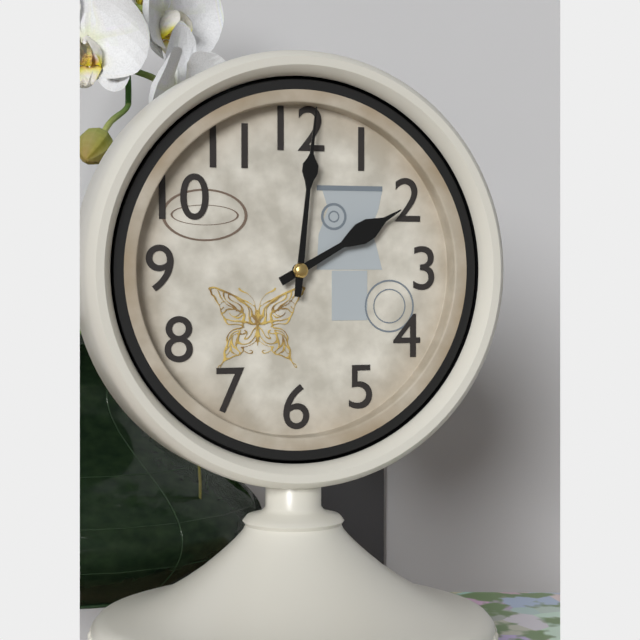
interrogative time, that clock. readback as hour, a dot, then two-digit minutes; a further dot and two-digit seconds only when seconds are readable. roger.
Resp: 2.01
